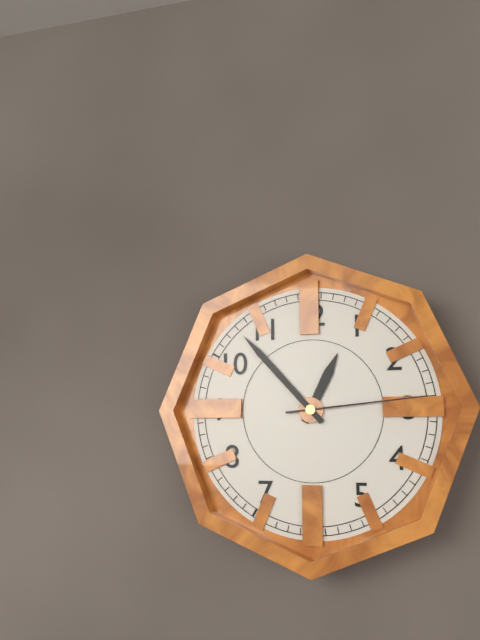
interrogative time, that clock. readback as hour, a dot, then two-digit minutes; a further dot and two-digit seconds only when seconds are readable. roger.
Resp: 12.53.14
